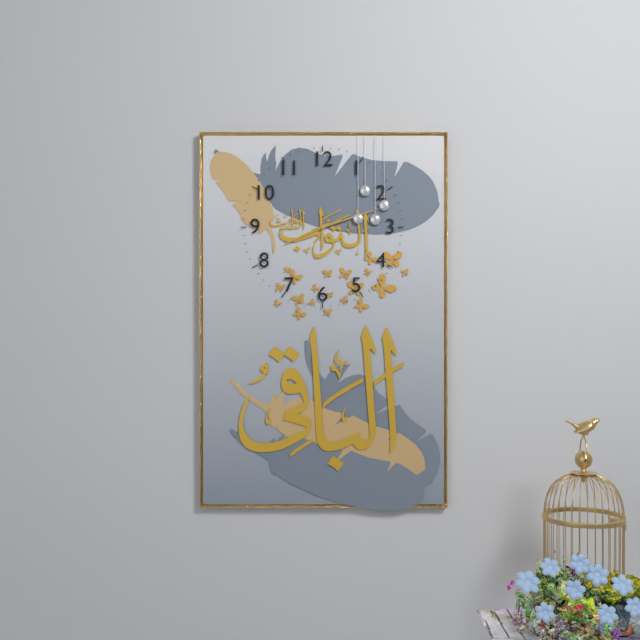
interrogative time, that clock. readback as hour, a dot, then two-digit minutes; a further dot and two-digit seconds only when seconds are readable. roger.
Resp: 8.12
